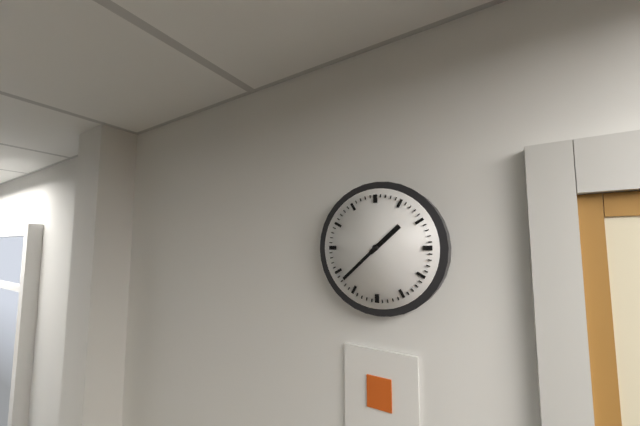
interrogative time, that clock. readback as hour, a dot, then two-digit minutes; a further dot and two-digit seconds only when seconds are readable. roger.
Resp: 1.38
